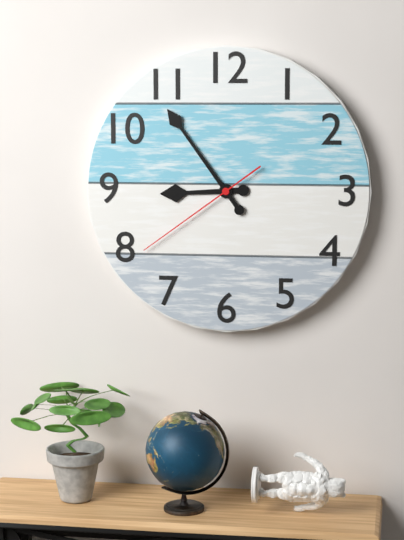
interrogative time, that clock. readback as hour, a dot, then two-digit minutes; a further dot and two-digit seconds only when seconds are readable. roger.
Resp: 8.54.39
